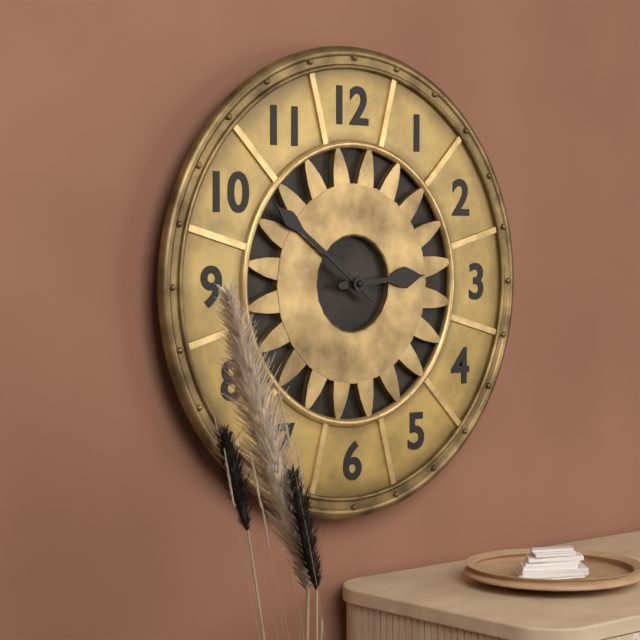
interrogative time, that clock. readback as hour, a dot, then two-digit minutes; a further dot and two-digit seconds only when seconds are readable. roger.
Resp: 2.51
